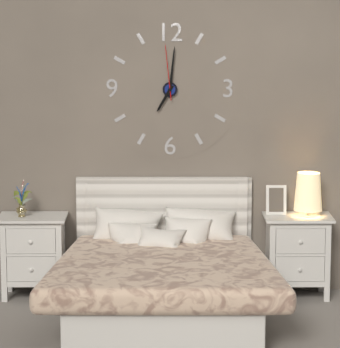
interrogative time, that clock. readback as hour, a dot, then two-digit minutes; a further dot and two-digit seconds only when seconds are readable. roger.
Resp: 7.01.59
